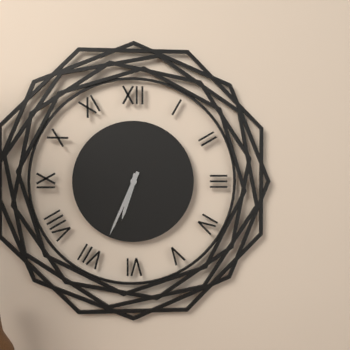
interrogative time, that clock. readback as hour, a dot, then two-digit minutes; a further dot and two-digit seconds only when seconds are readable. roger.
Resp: 6.34
